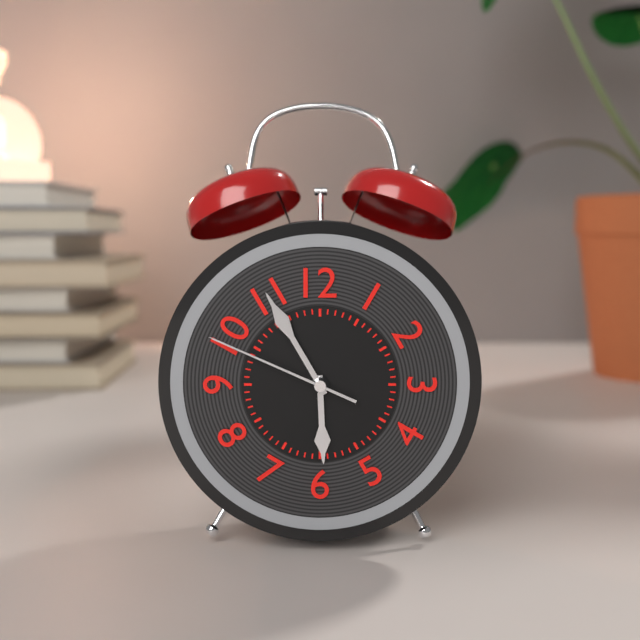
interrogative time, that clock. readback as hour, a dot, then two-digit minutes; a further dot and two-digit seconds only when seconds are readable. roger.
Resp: 5.55.49
